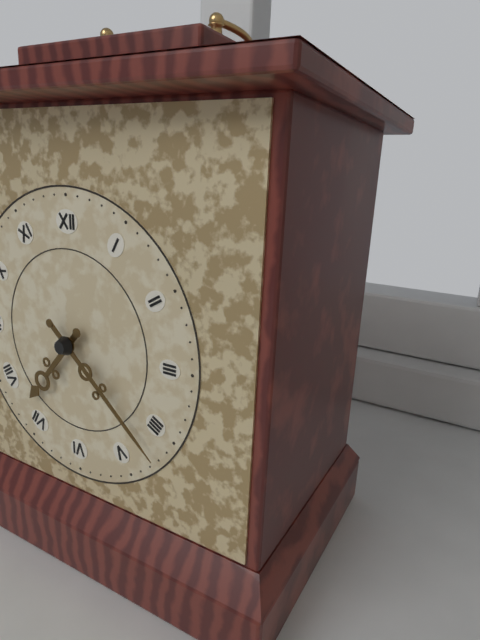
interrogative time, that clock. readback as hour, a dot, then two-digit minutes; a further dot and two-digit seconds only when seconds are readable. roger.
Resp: 7.22
